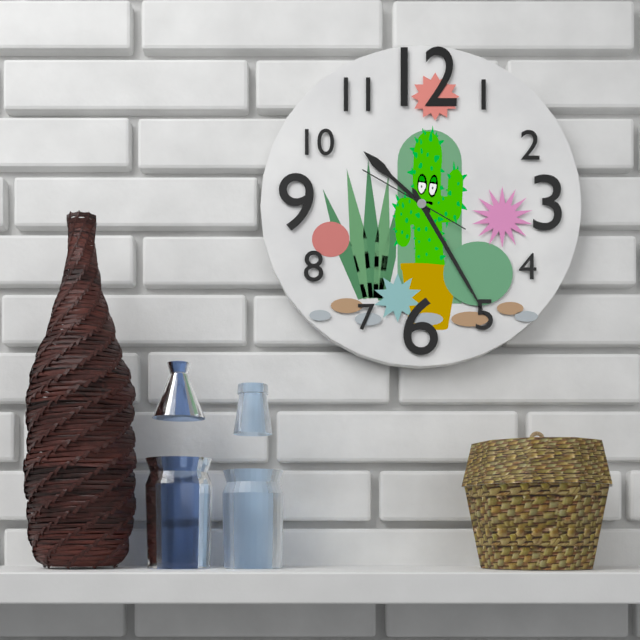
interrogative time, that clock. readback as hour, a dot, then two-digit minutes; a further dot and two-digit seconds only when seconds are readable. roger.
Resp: 10.25.50
